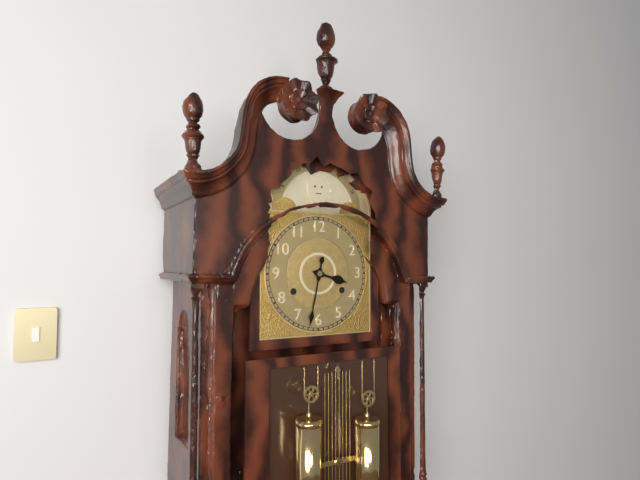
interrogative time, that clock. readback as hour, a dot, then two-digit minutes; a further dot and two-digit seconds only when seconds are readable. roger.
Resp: 3.32
